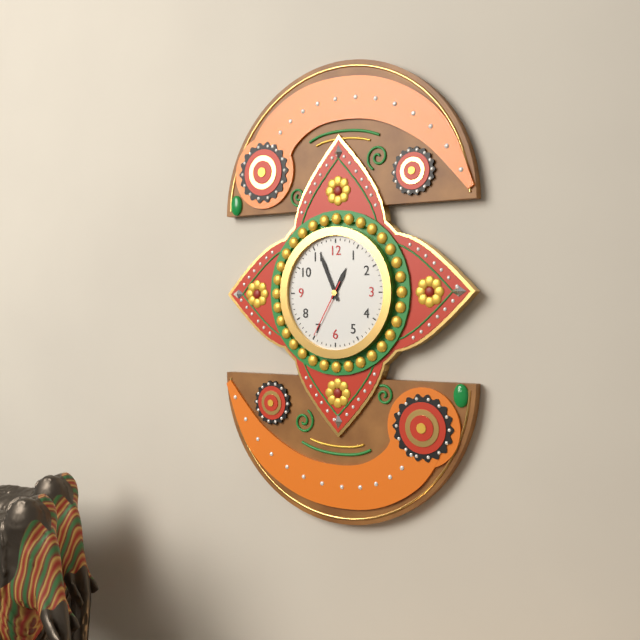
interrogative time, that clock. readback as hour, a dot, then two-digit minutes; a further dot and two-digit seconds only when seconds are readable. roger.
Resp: 12.56.35
